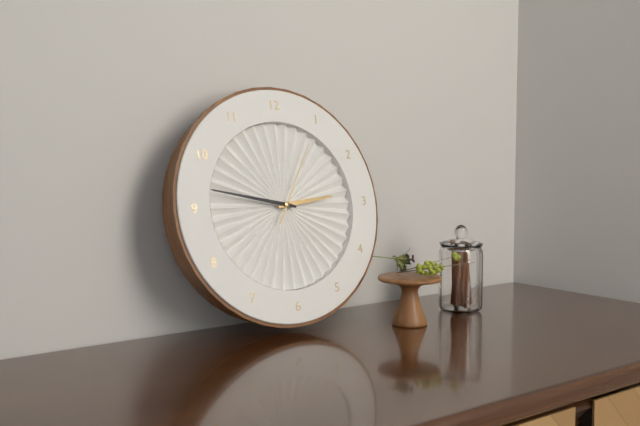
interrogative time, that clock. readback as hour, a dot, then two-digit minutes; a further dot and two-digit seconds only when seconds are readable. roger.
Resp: 2.47.05
